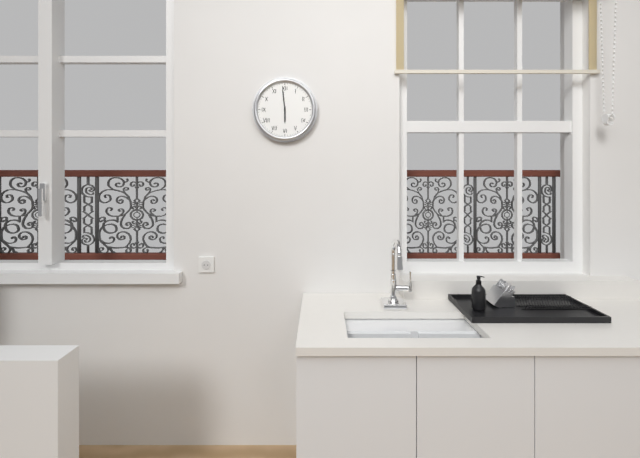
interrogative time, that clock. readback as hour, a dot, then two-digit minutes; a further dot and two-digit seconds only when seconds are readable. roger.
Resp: 5.59
